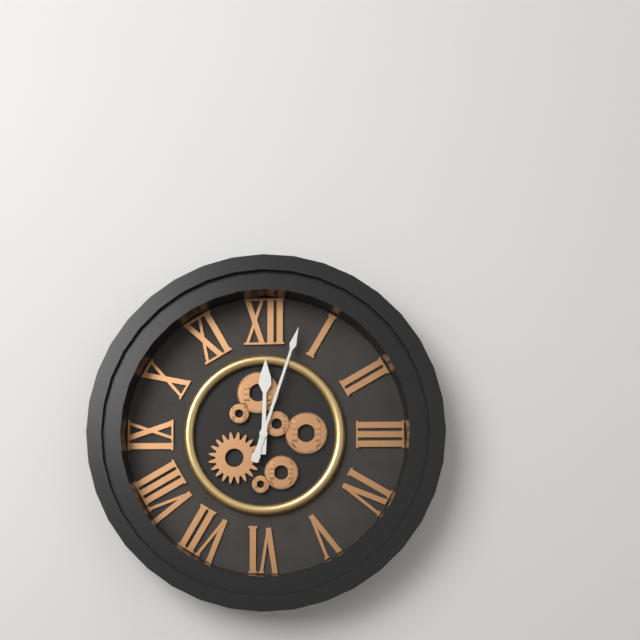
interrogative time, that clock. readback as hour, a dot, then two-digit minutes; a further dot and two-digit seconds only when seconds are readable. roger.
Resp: 12.03
